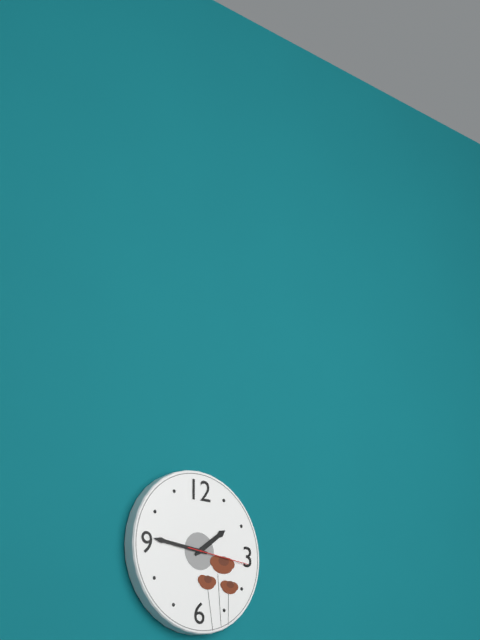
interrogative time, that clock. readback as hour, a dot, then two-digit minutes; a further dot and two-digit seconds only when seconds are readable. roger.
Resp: 1.46.16
